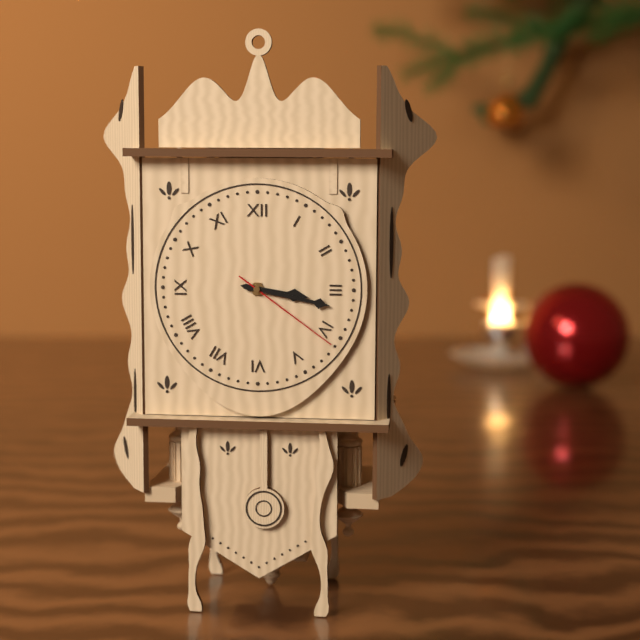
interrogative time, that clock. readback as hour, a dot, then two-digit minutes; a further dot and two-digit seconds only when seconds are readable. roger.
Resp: 3.17.21
